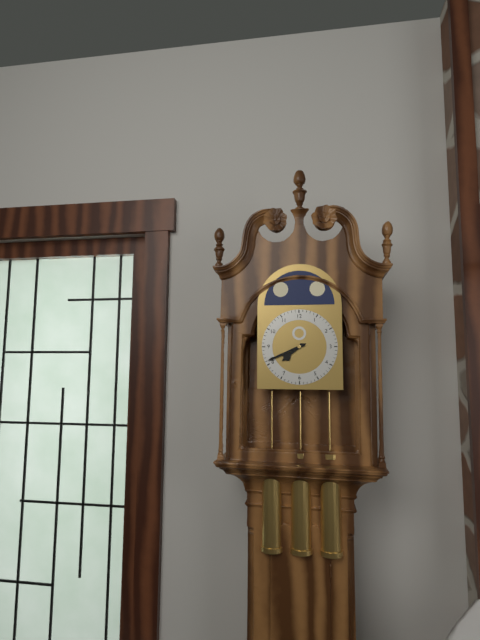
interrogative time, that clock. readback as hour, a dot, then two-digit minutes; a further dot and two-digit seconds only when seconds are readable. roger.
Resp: 7.41
